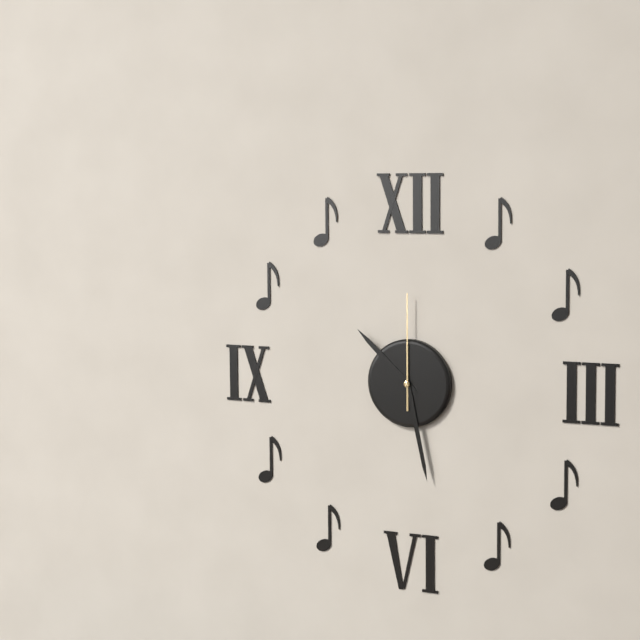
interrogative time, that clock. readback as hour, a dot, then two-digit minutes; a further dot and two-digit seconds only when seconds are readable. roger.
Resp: 10.28.00
